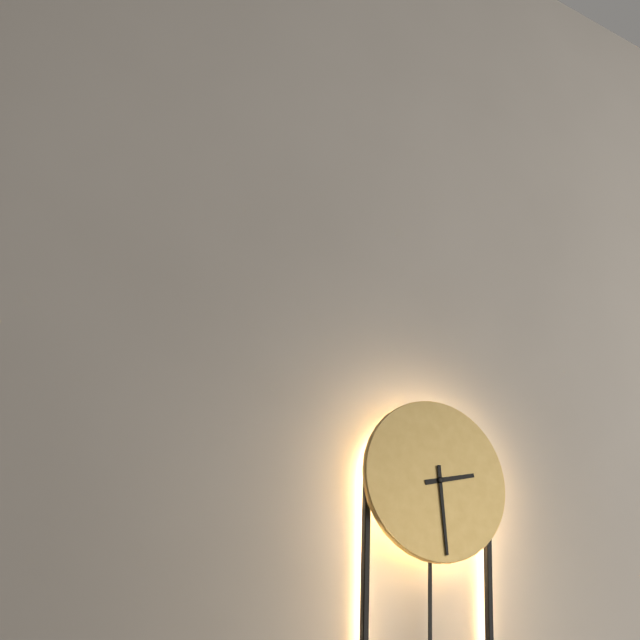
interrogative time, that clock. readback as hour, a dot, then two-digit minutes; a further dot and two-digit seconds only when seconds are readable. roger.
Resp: 2.29
